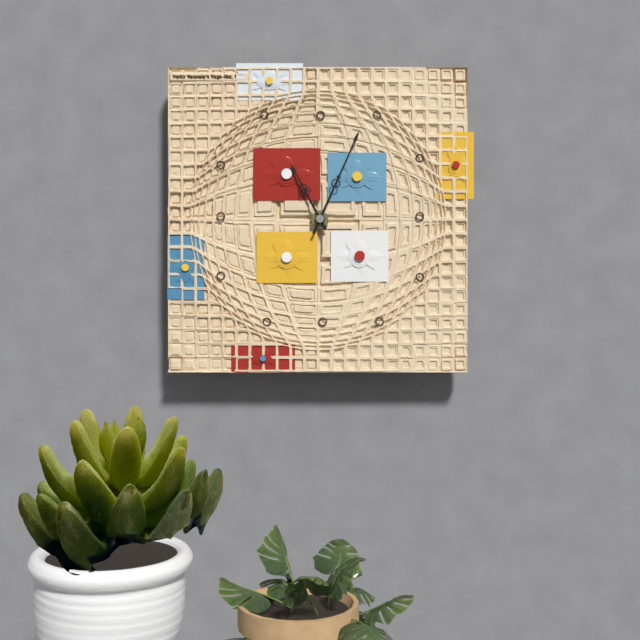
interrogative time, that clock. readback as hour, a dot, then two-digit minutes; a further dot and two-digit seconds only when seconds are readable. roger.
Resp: 11.04
